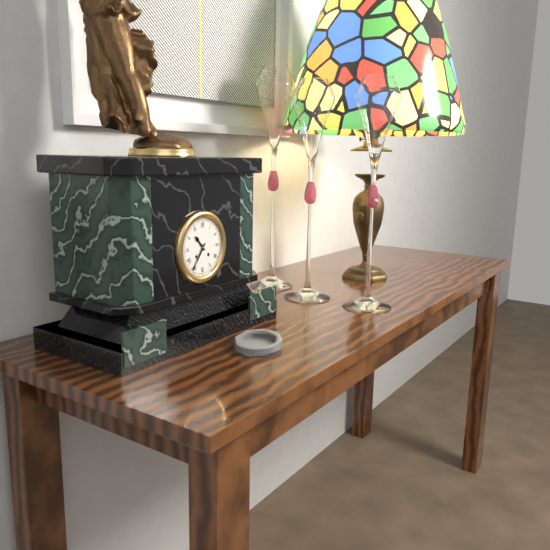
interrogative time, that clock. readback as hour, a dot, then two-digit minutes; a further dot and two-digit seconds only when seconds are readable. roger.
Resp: 10.36
